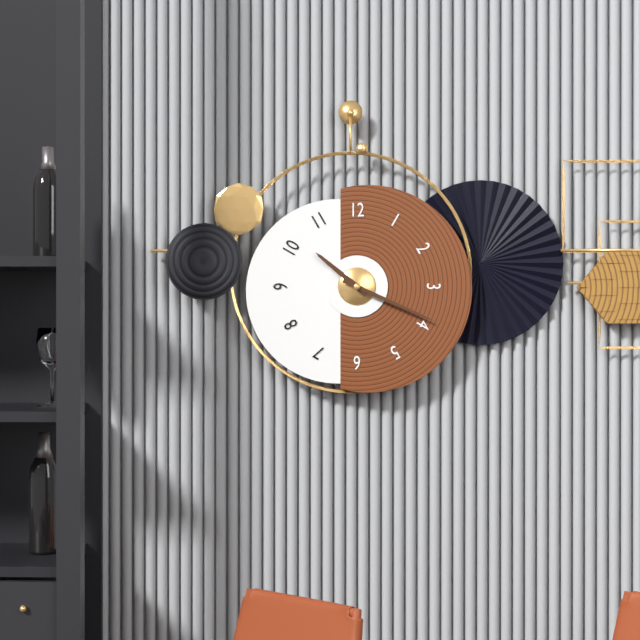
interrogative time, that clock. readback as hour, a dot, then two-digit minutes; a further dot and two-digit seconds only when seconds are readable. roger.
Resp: 10.19
